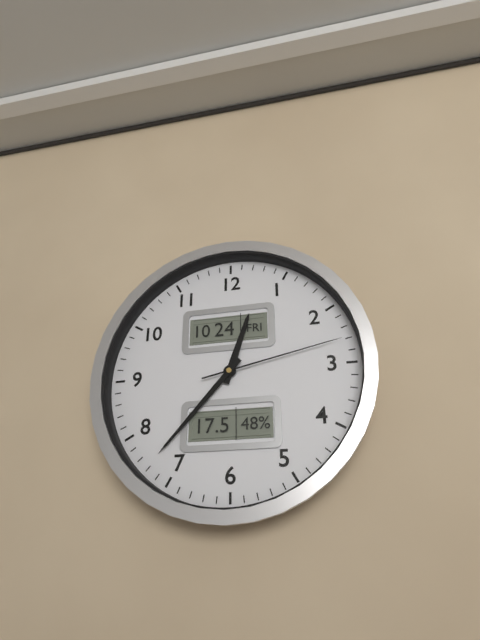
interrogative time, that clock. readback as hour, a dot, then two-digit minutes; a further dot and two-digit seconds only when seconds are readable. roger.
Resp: 12.37.13
